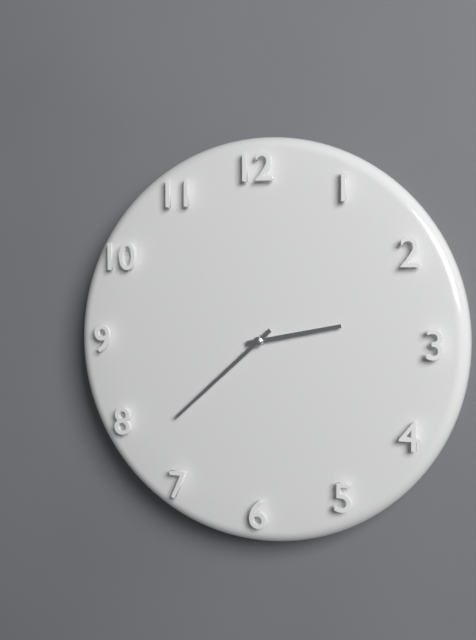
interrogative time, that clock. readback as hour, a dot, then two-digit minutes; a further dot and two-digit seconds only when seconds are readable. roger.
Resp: 2.38
